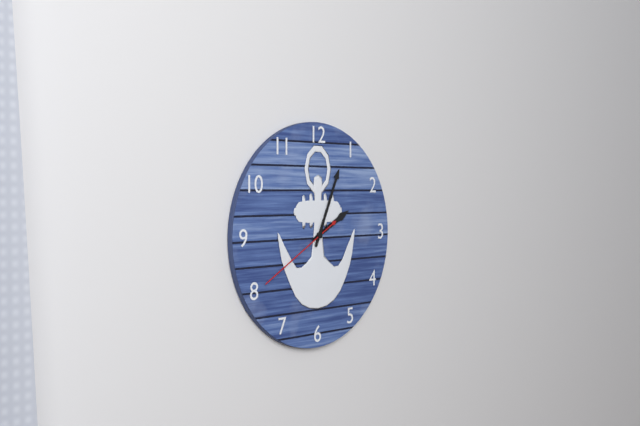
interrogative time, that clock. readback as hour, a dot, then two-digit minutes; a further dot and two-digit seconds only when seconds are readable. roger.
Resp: 2.04.40
